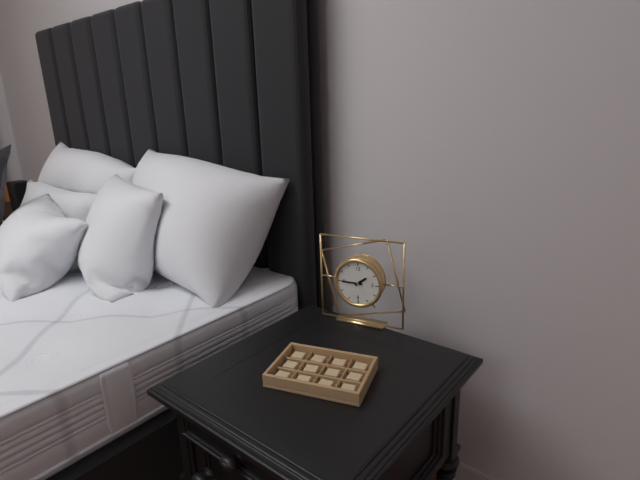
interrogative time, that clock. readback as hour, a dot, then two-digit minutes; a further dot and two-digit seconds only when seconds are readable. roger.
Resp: 1.45
